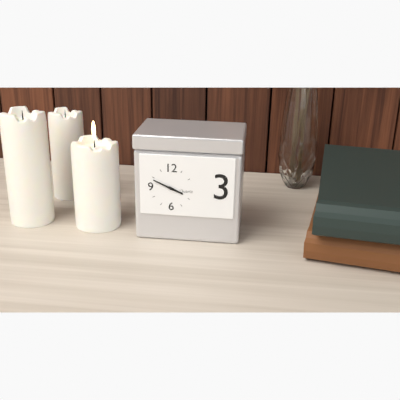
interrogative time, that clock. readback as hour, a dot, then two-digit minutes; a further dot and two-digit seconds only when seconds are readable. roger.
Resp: 3.49
